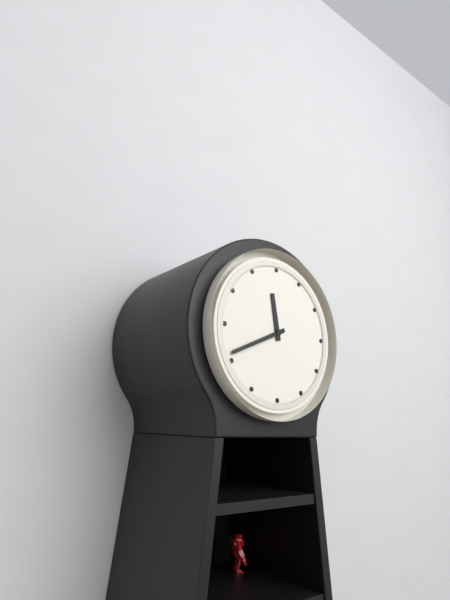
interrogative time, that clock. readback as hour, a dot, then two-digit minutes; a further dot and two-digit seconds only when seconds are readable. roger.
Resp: 11.41
